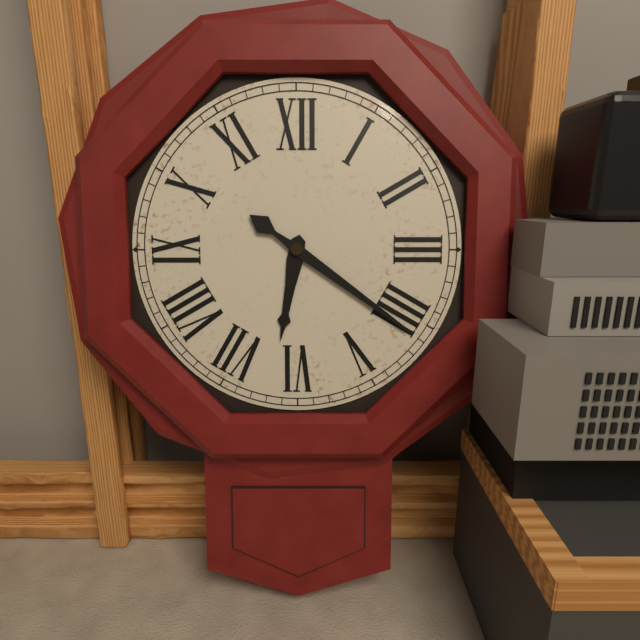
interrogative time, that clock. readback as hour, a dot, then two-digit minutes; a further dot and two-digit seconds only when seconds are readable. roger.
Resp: 6.21
